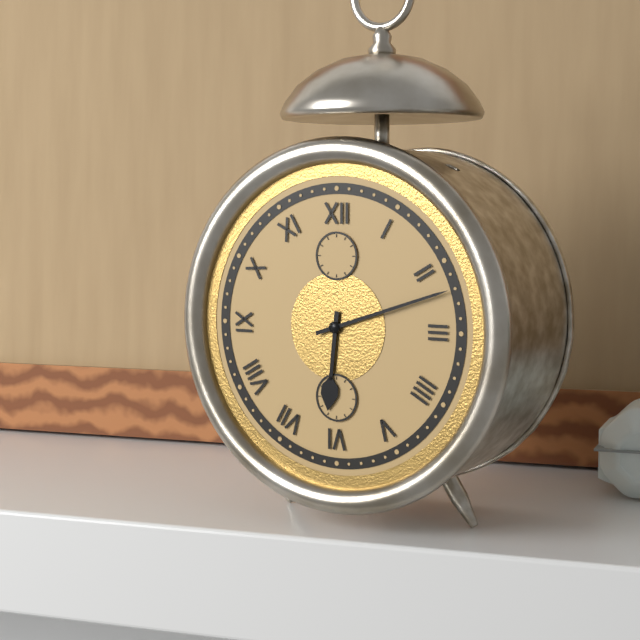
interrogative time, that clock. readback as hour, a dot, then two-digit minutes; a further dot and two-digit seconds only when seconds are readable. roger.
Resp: 6.12
